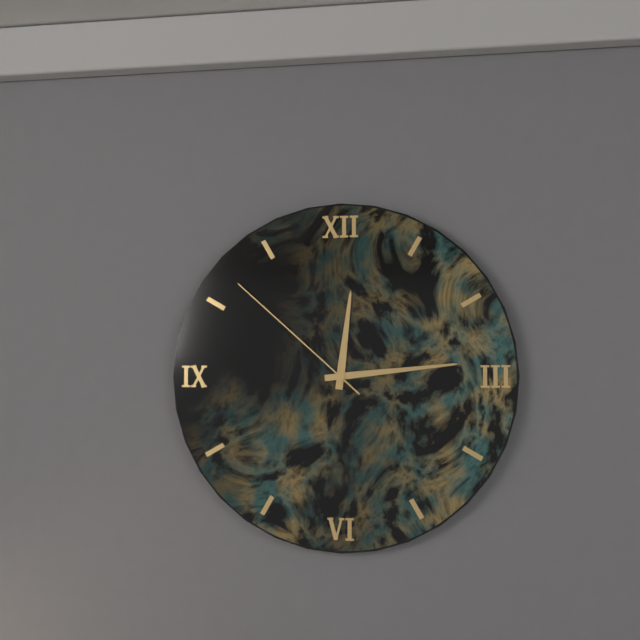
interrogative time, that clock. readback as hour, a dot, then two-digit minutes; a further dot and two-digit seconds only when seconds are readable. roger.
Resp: 12.14.52
